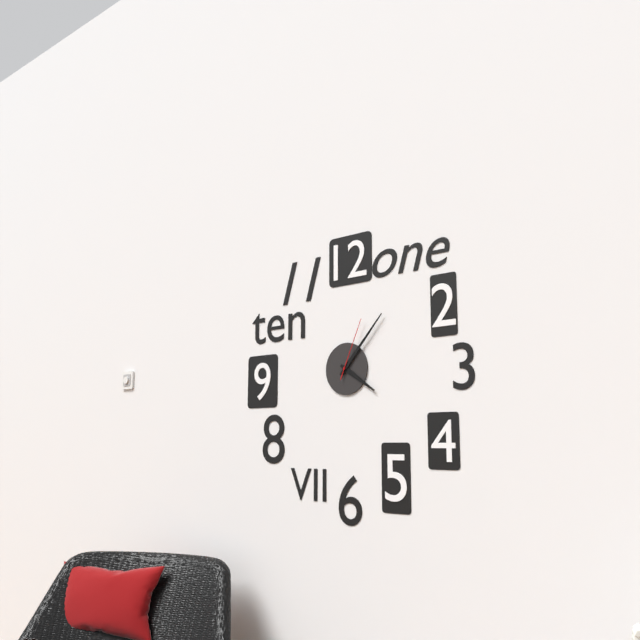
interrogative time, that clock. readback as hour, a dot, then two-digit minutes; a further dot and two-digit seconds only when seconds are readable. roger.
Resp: 4.07.04
